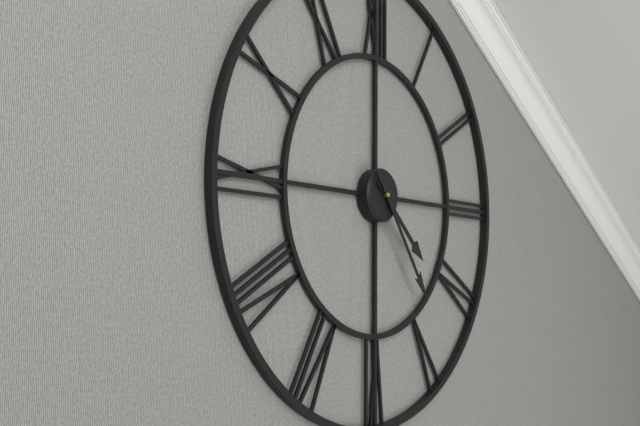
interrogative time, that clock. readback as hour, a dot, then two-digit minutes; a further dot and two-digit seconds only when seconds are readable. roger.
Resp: 4.24
